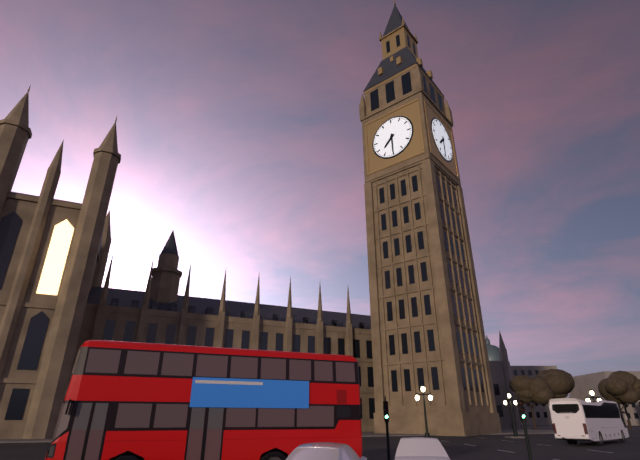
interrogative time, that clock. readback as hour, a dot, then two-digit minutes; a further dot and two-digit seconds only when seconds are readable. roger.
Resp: 7.30
